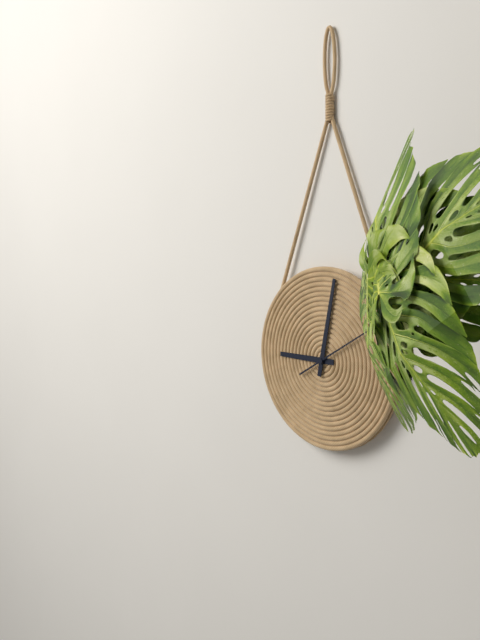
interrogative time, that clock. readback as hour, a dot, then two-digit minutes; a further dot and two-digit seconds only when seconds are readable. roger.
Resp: 9.02
